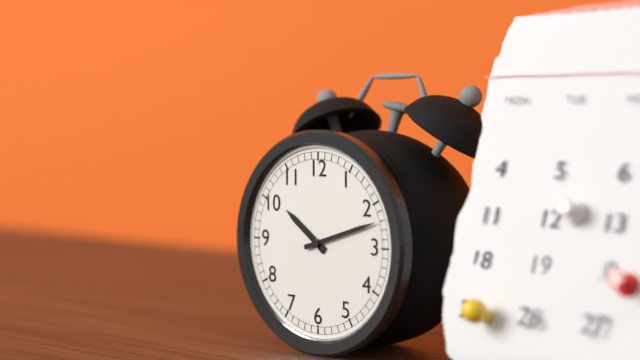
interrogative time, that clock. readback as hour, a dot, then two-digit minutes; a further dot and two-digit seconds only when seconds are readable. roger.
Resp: 10.12
